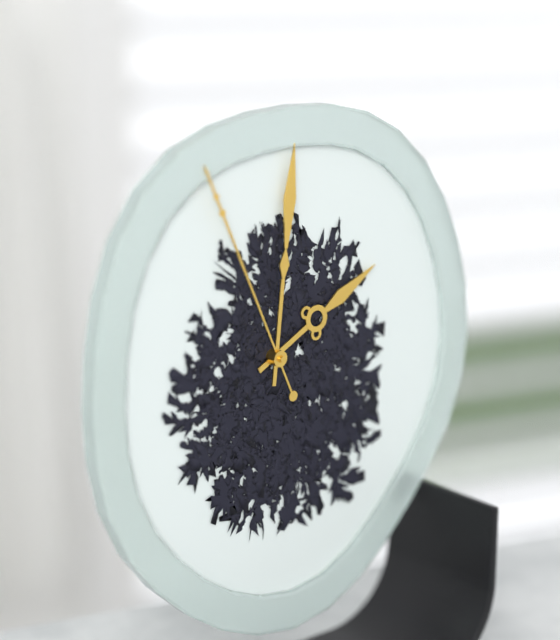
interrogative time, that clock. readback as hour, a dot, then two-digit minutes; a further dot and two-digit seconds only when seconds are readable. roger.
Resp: 2.01.56
